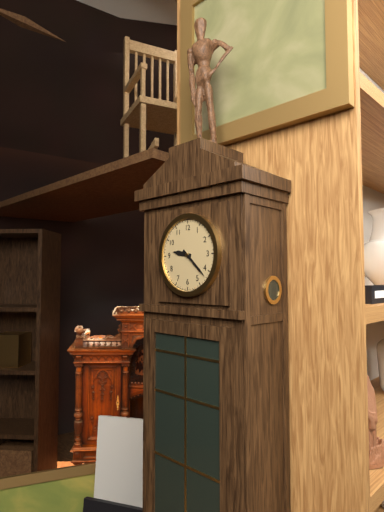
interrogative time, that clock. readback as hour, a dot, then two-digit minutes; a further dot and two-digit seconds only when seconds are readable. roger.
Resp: 9.22
